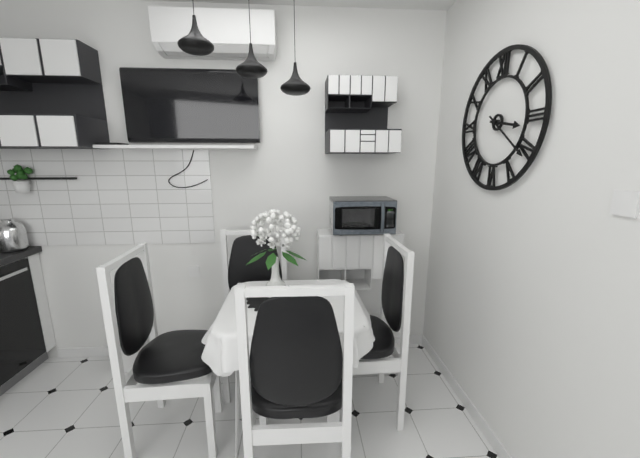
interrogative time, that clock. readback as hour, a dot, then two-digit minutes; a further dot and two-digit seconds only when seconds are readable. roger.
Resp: 3.21
